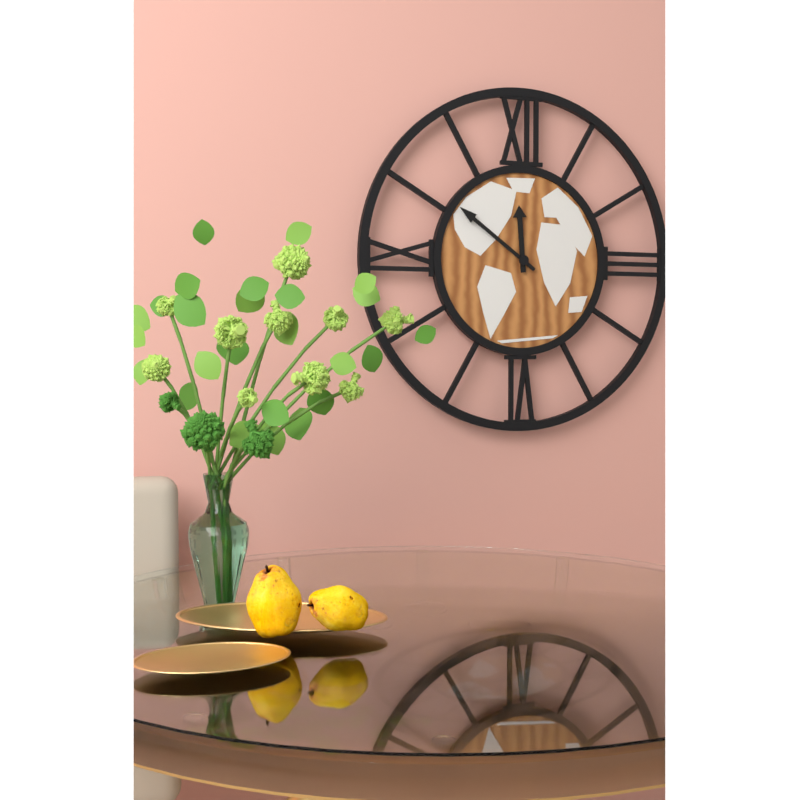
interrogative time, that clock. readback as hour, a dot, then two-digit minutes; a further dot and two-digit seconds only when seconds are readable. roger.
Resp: 11.51
